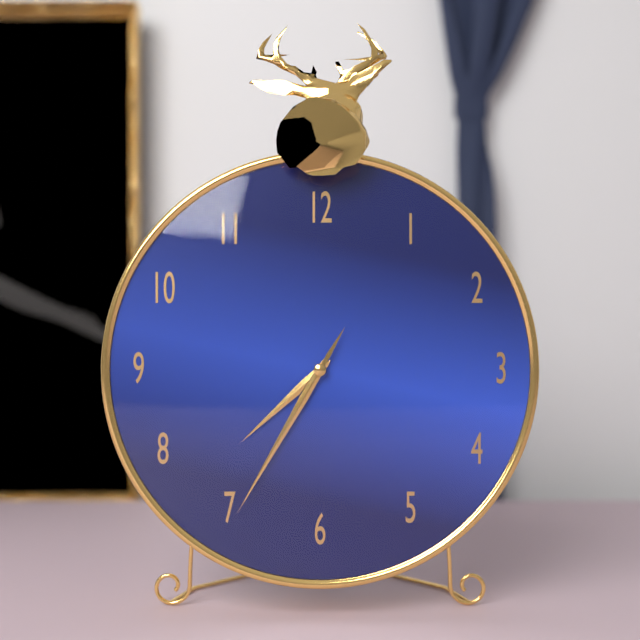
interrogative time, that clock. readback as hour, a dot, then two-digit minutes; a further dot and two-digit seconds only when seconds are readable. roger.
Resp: 7.35.35
